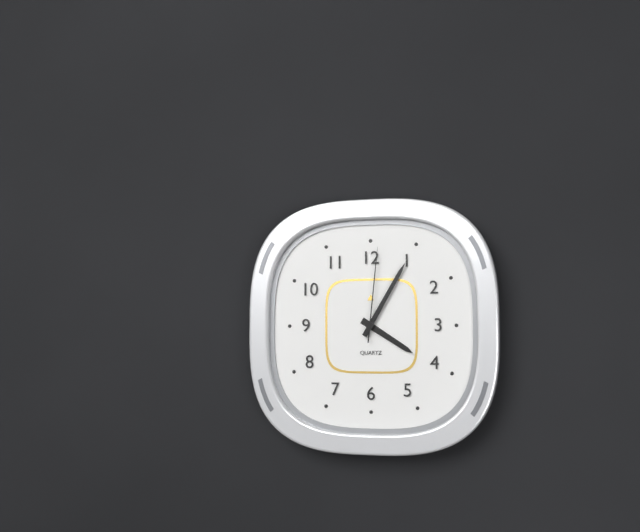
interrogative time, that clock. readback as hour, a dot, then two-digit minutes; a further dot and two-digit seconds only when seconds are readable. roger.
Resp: 4.05.01
